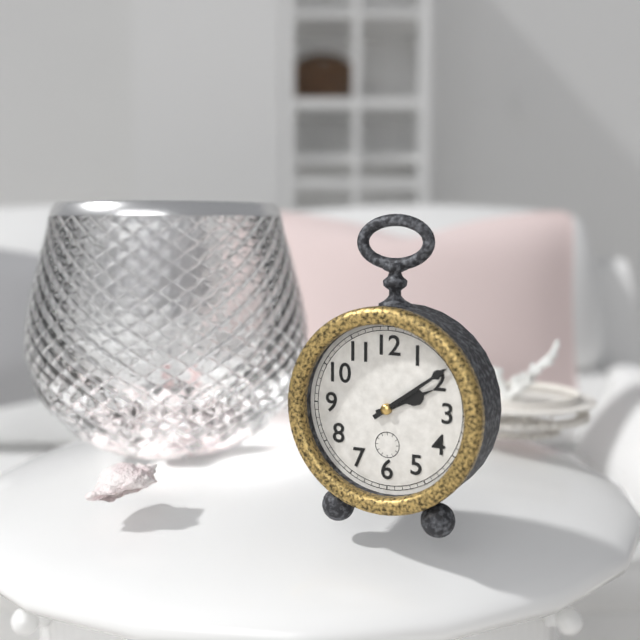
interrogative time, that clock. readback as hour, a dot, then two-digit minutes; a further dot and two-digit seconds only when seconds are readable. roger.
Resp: 2.09
